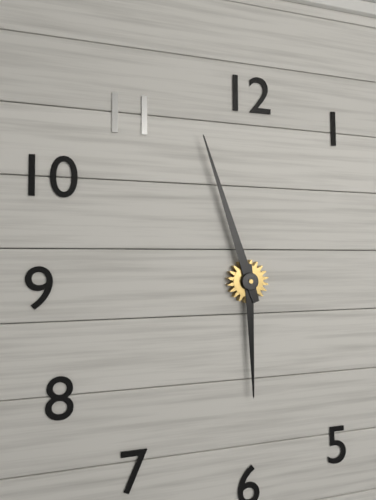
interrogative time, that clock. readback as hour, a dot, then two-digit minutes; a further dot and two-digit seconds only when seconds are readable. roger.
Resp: 5.57
